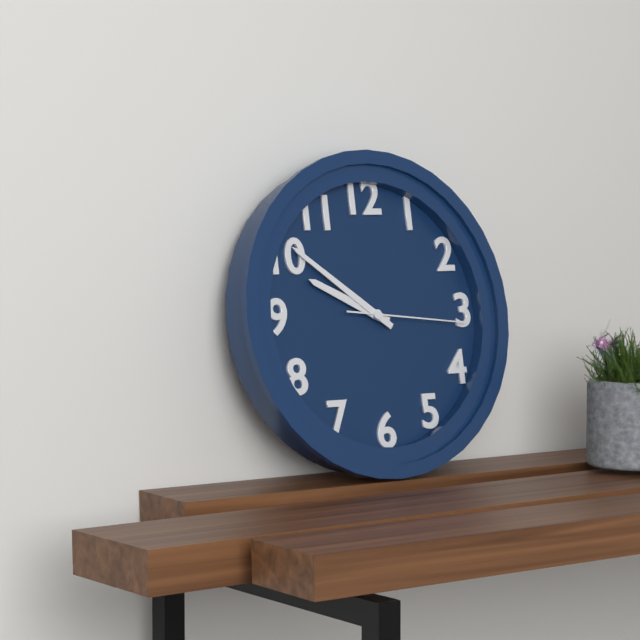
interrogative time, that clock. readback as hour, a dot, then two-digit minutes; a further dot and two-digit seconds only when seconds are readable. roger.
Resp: 9.51.16
